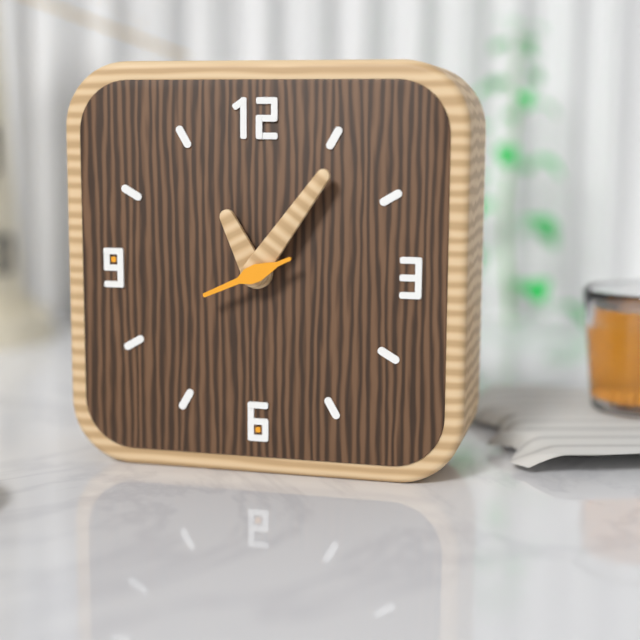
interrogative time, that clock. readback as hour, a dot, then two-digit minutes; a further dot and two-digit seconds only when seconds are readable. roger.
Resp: 11.06.41
